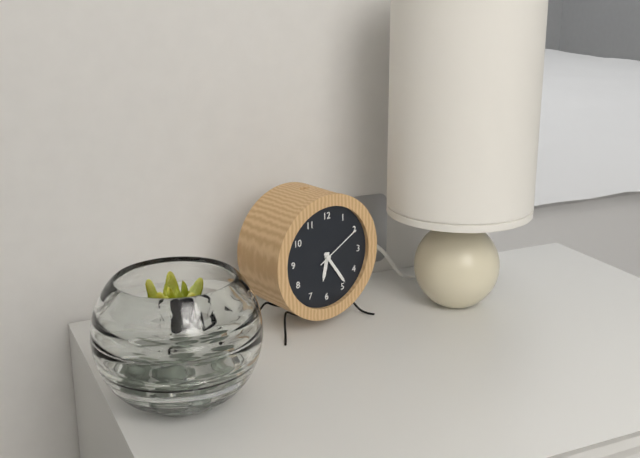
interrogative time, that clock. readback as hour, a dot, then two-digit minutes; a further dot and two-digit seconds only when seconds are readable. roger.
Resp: 6.24
